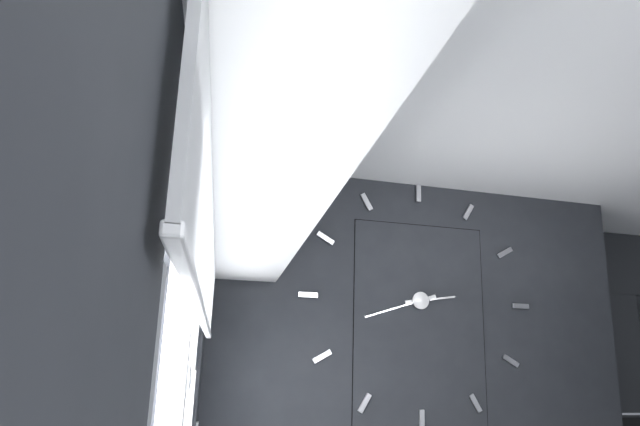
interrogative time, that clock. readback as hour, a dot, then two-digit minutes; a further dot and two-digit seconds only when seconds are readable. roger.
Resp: 2.42
